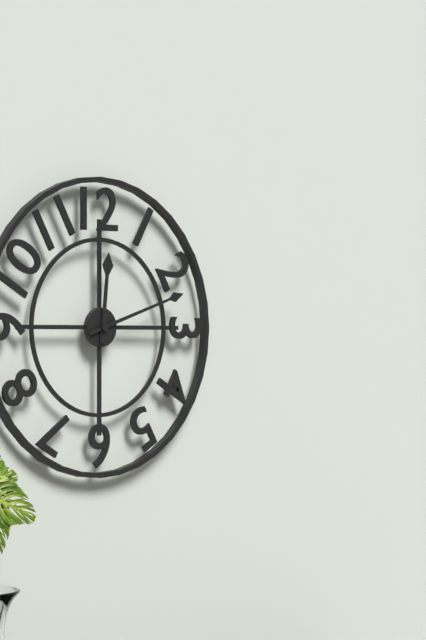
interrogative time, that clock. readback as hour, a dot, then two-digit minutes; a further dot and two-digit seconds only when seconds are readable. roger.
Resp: 12.12
